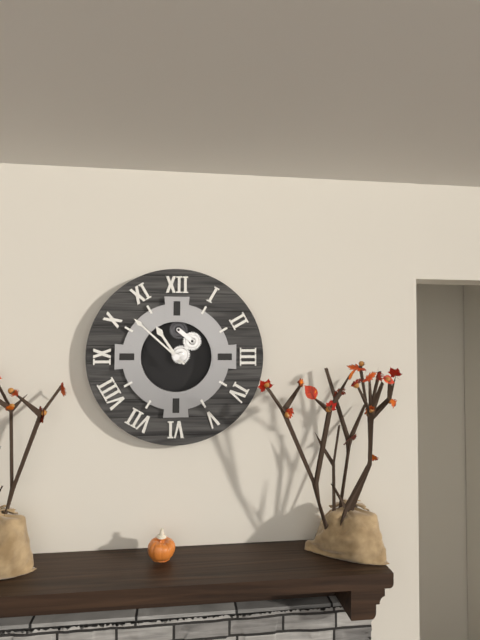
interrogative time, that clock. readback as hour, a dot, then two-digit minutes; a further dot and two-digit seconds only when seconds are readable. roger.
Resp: 10.52
